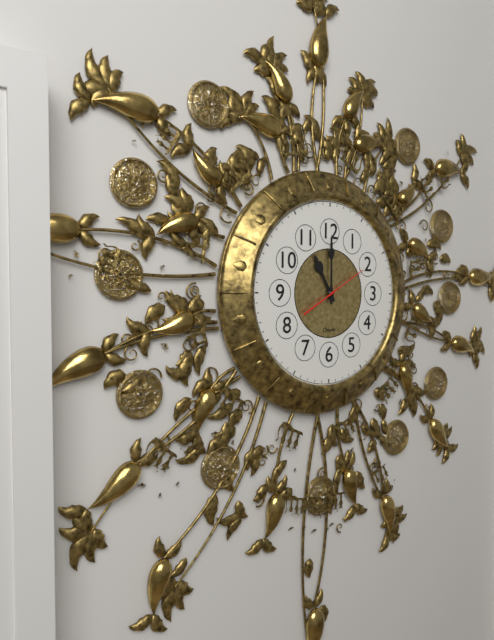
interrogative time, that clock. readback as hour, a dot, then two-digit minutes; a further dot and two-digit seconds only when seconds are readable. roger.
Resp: 11.00.10
